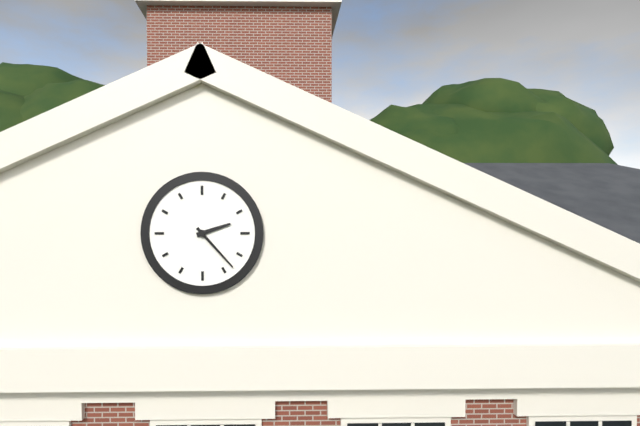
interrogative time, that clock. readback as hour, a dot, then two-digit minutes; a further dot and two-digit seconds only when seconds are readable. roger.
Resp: 2.23
